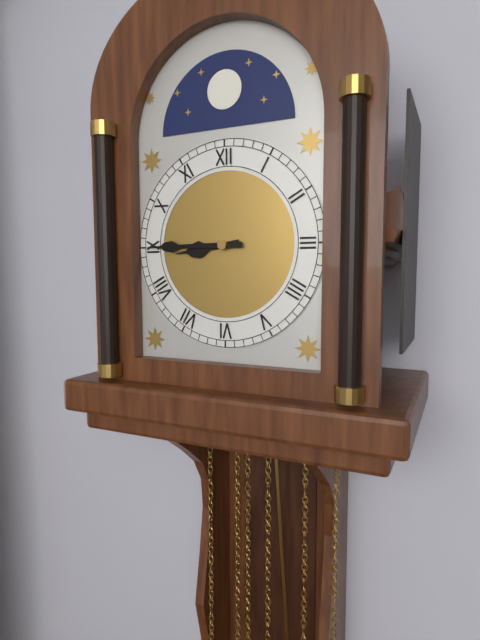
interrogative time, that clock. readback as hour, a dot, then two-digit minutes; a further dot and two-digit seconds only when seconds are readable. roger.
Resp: 8.45
